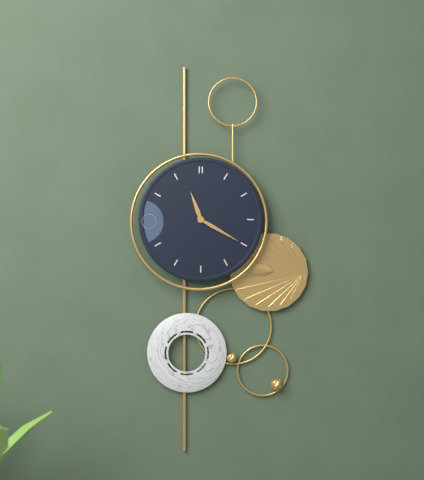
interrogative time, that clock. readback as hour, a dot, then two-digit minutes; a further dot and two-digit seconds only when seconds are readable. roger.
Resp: 11.20
